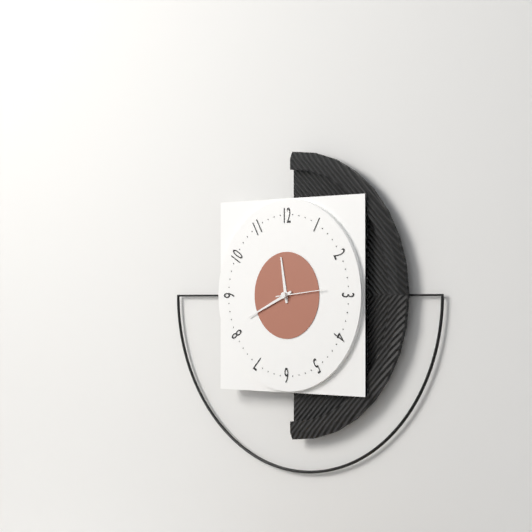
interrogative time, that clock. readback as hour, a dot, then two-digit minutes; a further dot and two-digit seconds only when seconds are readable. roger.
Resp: 11.41.14
